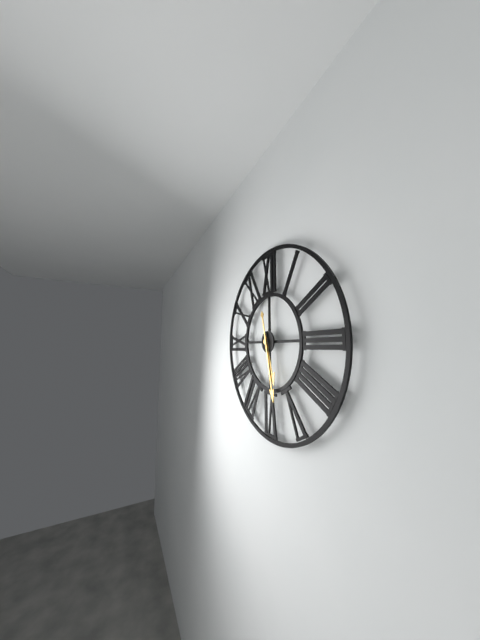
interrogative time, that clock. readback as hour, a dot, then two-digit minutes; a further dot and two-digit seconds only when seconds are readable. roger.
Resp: 5.28
